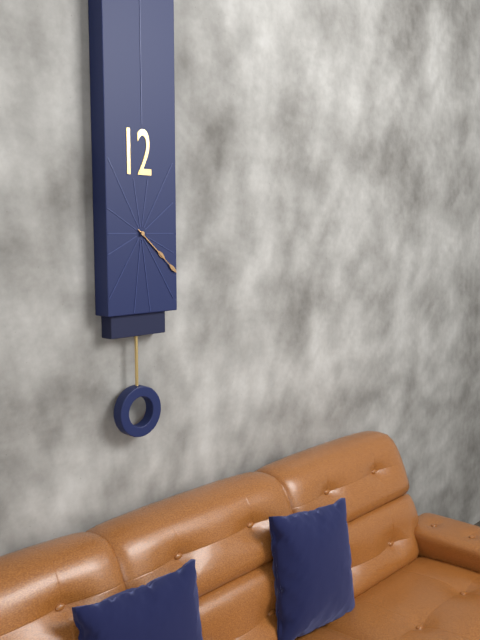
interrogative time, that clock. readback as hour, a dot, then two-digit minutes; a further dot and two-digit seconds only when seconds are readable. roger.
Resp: 4.22
